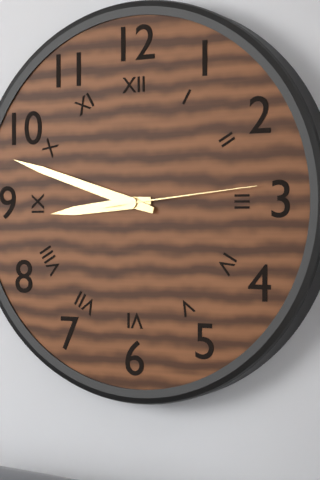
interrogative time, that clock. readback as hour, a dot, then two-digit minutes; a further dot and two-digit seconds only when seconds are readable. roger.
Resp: 8.48.14
